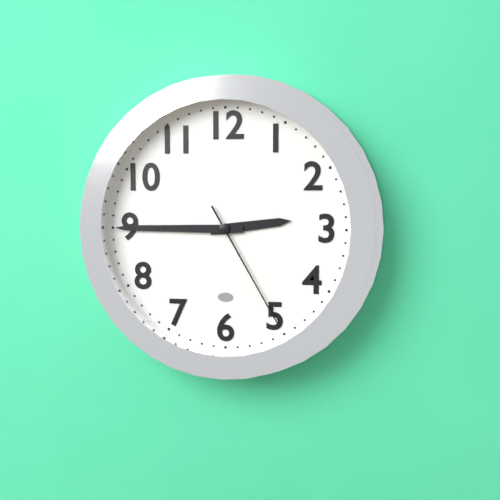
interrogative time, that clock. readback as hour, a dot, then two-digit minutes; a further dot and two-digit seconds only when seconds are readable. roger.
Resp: 2.45.25
